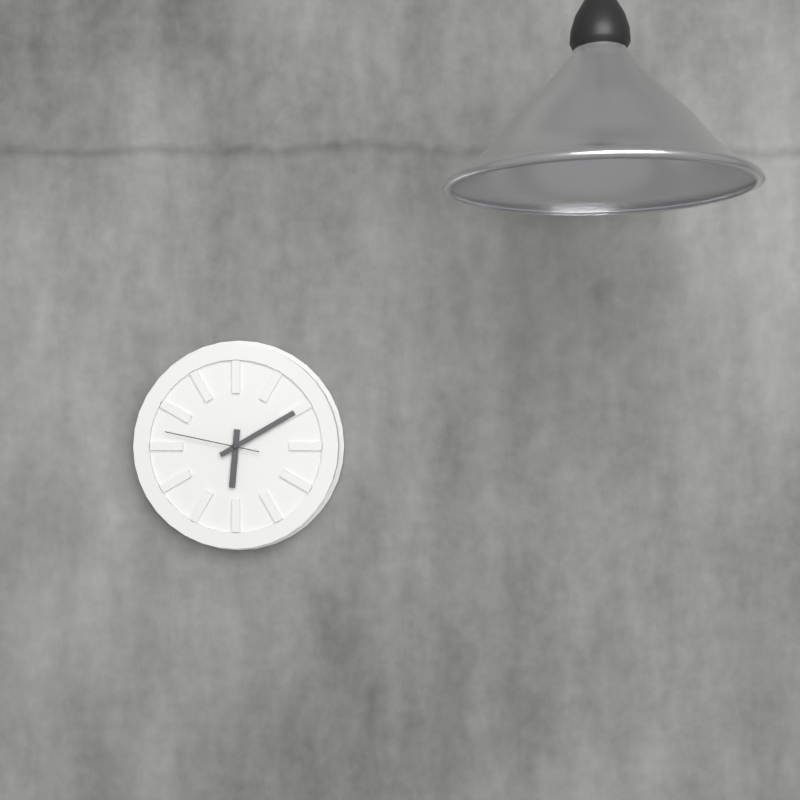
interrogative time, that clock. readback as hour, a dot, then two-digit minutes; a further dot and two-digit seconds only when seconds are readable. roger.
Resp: 6.10.47
